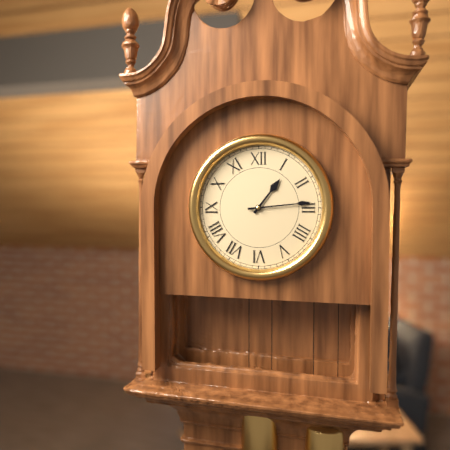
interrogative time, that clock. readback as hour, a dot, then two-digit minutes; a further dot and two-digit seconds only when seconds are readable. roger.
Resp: 1.14
